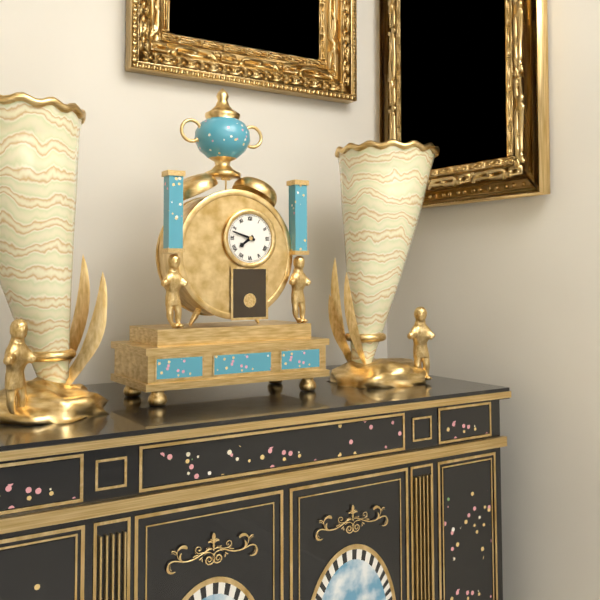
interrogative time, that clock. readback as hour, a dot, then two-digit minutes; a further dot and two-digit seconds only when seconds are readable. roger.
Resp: 7.48
